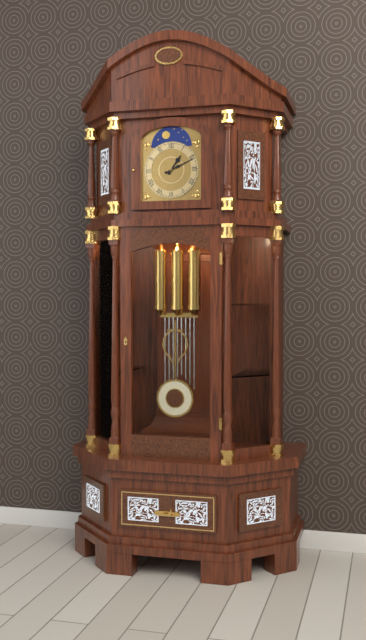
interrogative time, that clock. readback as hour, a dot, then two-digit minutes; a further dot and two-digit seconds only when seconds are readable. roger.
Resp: 1.11
